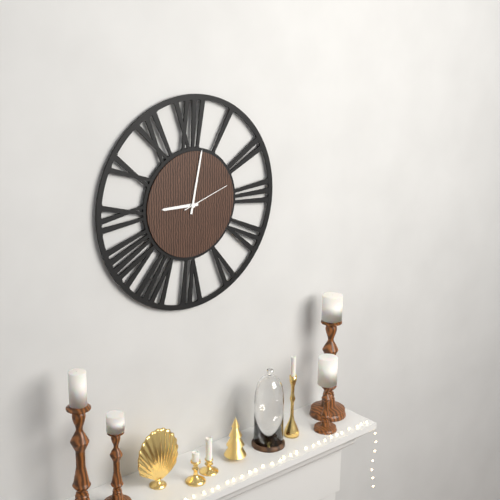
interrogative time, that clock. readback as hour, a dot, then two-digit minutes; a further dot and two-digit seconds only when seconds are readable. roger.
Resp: 9.02
